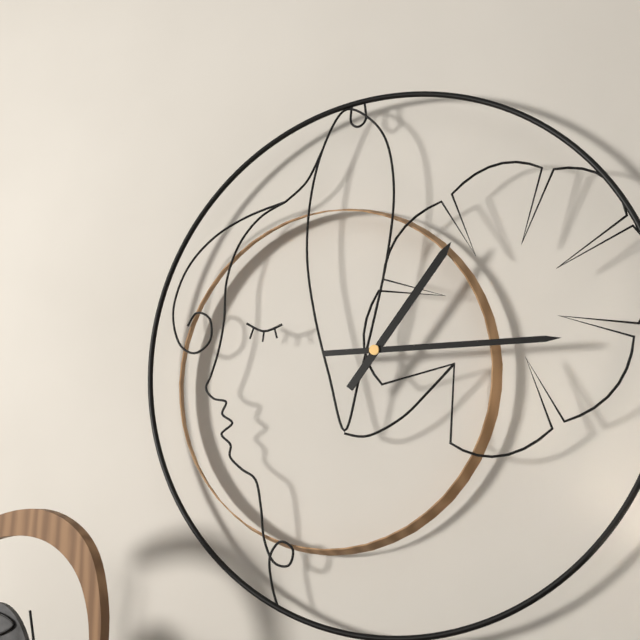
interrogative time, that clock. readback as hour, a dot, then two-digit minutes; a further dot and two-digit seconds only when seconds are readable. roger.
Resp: 1.15
